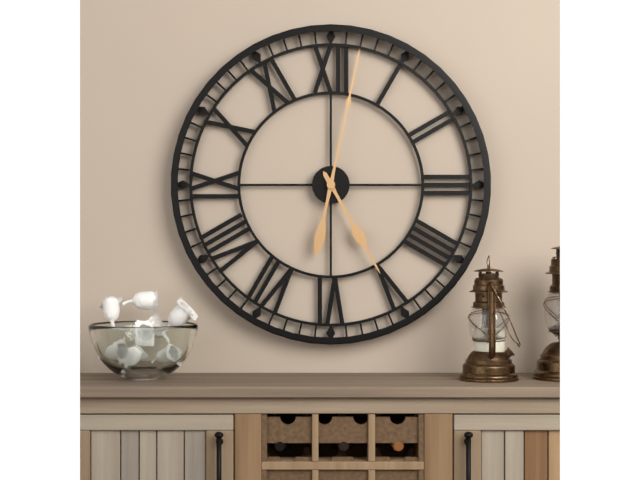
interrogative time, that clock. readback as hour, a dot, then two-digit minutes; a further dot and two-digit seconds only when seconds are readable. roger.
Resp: 5.02
